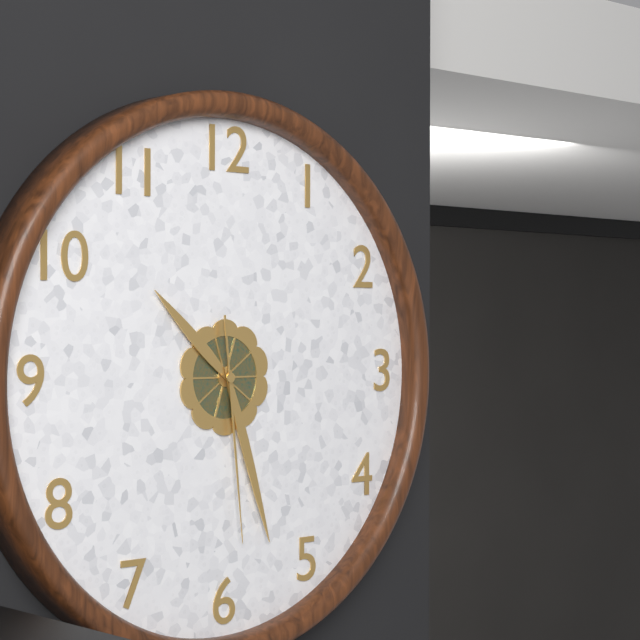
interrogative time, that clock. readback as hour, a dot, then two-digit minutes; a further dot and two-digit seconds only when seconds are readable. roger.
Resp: 10.27.29
